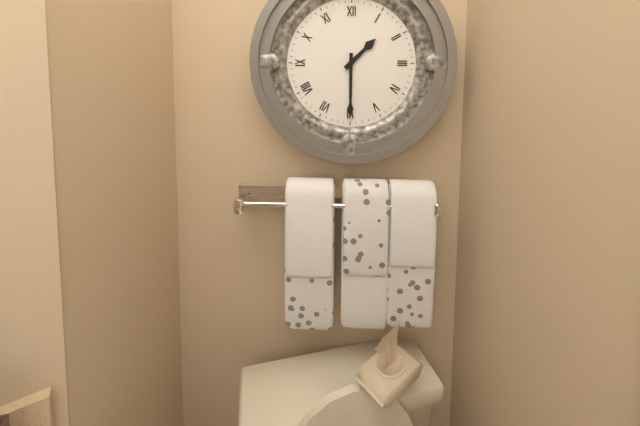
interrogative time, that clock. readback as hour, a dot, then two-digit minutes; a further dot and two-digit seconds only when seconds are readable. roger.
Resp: 1.30
